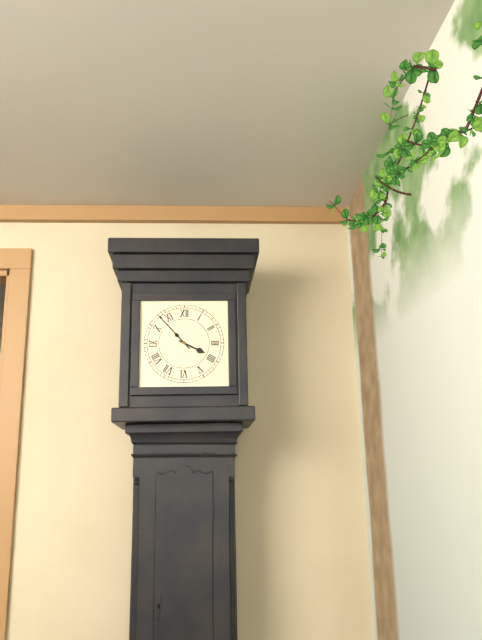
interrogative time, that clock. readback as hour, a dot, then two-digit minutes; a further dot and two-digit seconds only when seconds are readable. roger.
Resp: 3.53
